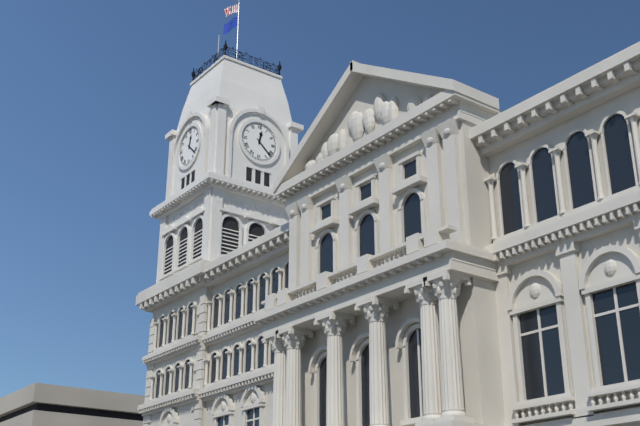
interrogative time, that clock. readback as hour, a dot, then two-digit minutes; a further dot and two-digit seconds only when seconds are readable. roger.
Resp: 12.22
